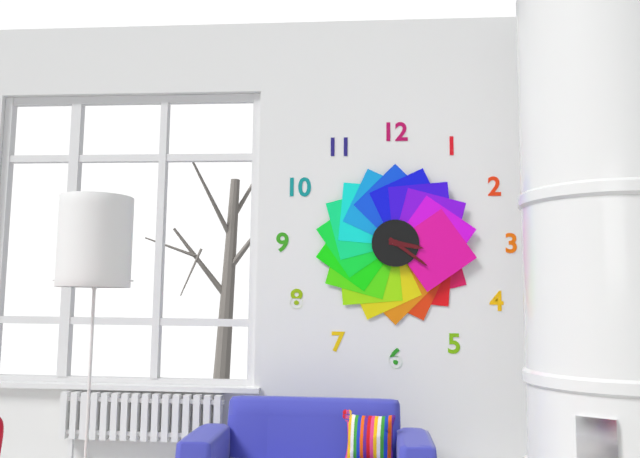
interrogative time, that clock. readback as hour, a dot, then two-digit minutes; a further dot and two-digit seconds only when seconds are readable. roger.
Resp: 3.21
